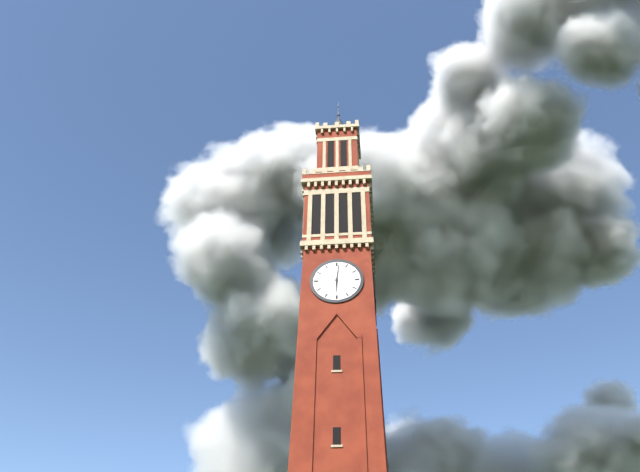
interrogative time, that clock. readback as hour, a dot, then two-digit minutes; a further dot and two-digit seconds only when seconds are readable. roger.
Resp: 6.01
